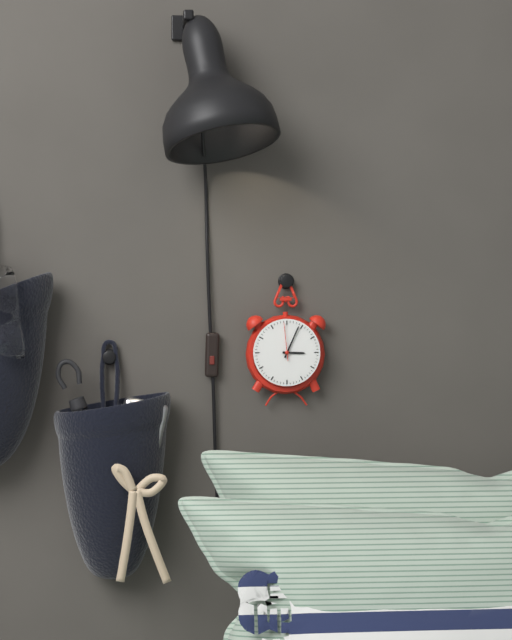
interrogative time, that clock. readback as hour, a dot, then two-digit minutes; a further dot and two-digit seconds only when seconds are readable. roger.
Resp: 3.04
